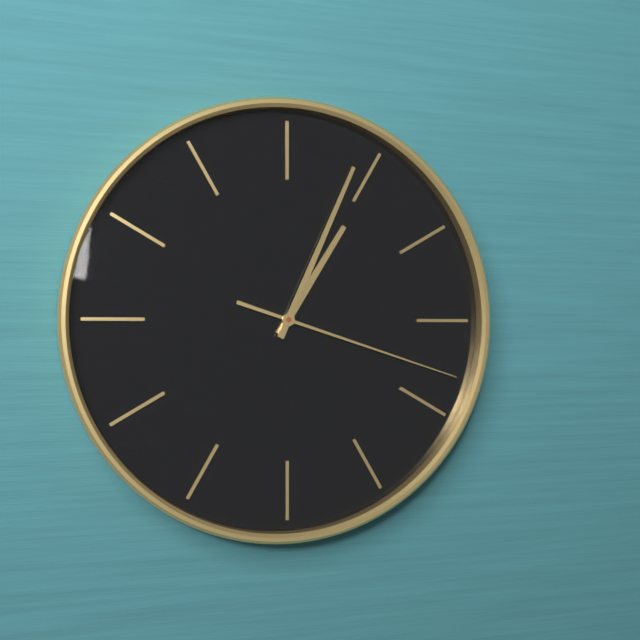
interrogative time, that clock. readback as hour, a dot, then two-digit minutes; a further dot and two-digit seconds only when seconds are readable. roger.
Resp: 1.04.18
